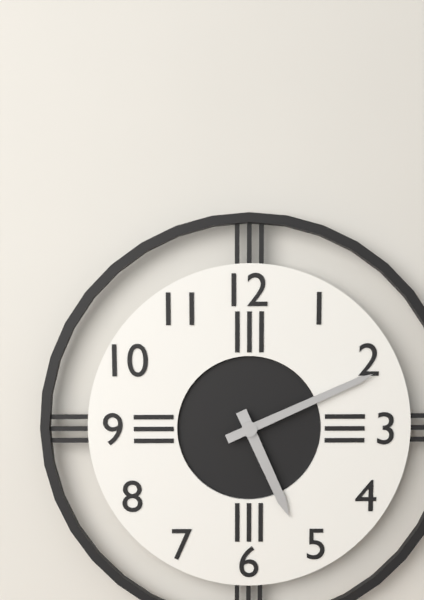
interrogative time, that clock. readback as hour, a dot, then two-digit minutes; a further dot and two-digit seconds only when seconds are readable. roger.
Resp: 5.11
